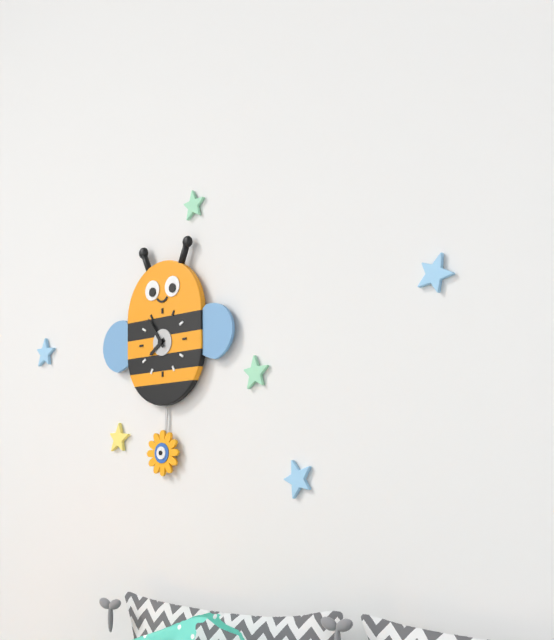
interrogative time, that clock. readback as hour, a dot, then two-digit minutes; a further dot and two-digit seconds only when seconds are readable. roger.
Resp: 7.54
